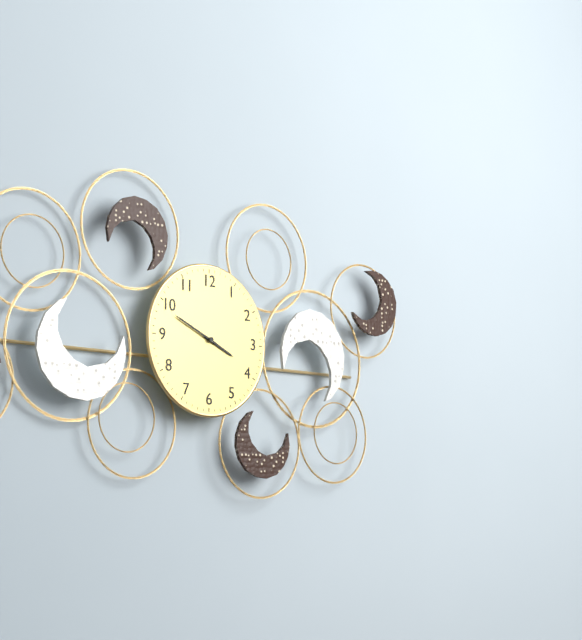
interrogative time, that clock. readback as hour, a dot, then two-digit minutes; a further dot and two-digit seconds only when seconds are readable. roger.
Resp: 3.49
